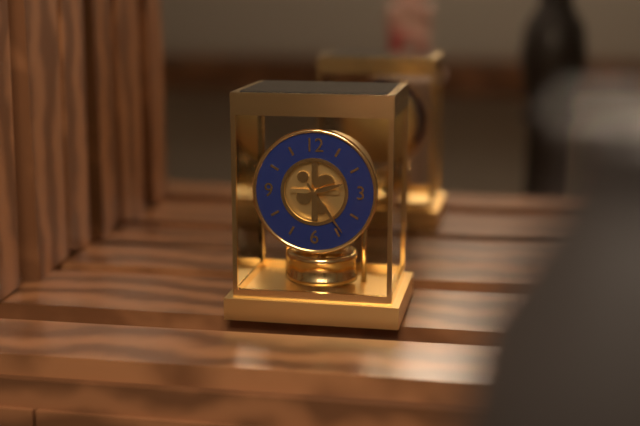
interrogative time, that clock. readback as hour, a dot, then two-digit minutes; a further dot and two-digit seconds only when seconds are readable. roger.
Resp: 2.24
